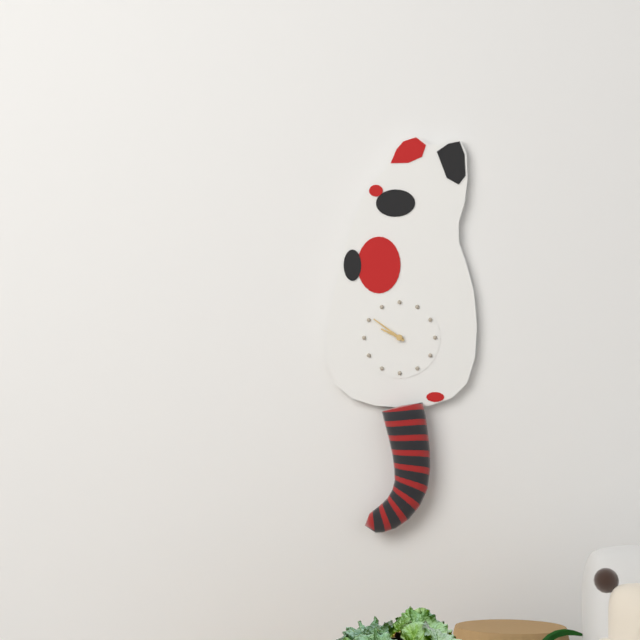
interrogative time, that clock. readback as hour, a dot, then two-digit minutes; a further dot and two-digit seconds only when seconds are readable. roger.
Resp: 9.51
